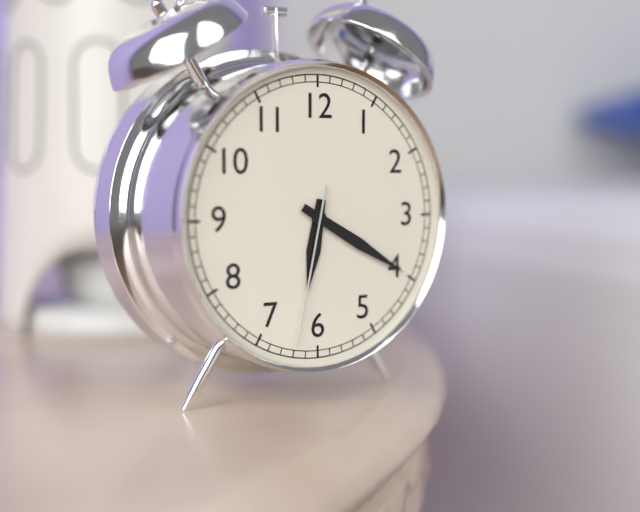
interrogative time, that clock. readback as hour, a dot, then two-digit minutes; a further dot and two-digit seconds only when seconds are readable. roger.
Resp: 6.20.32
